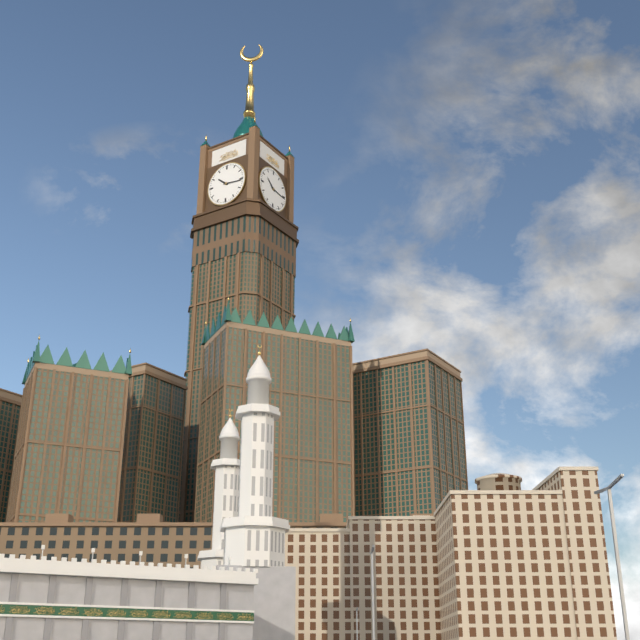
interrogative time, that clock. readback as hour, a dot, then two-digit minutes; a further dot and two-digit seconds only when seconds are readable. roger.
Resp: 10.16
